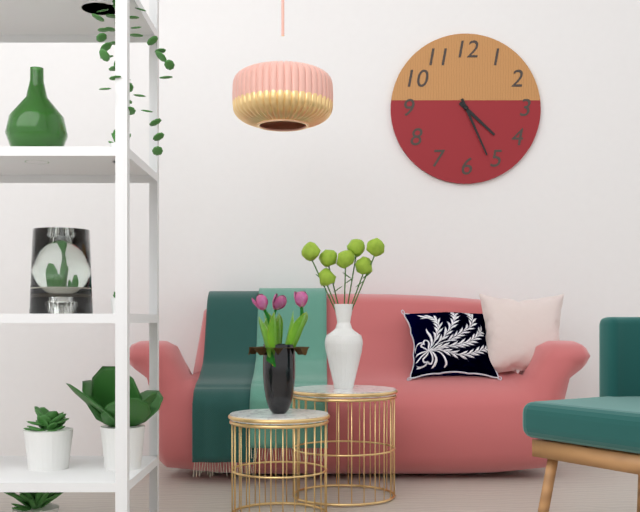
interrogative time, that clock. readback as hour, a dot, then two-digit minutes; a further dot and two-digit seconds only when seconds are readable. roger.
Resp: 4.26
